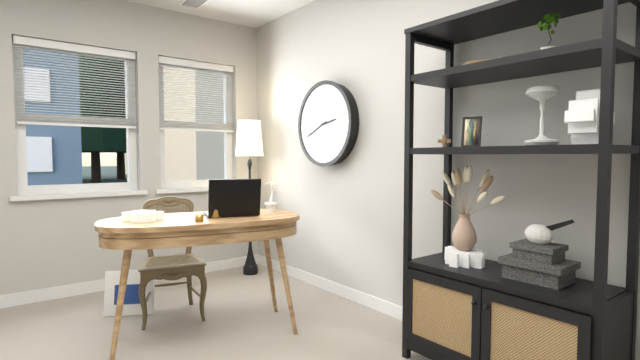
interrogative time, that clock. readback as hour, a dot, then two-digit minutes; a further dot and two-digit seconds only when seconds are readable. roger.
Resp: 2.41
